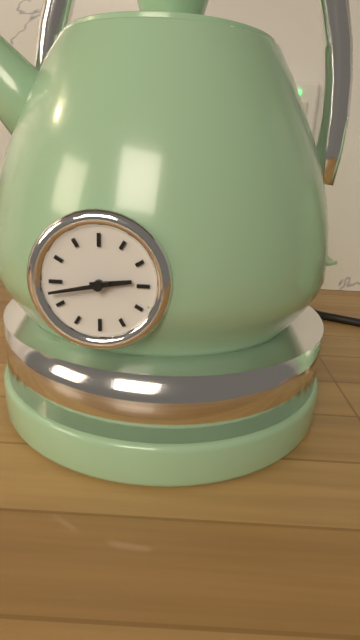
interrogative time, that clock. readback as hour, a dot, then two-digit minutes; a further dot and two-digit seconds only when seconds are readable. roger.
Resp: 2.43
